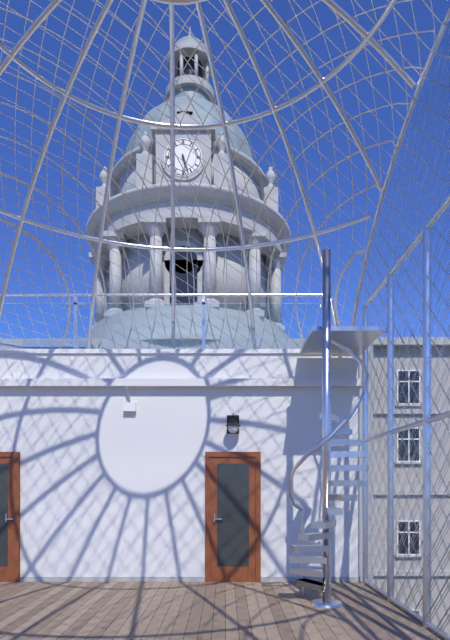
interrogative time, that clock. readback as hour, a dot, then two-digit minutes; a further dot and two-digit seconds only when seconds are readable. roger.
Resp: 5.27
